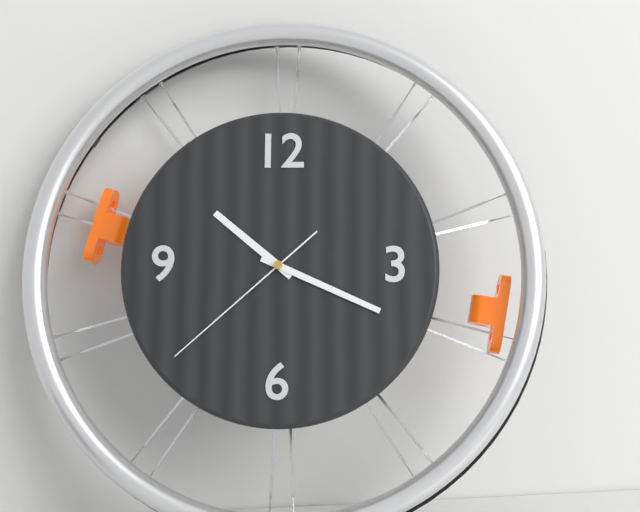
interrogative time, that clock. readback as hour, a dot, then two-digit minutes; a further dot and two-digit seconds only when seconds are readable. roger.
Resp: 10.19.38
